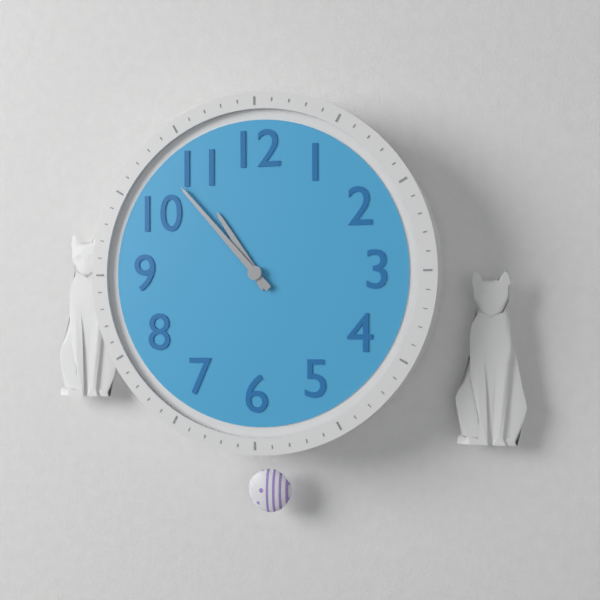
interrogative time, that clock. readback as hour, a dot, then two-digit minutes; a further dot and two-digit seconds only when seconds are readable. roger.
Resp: 10.53
